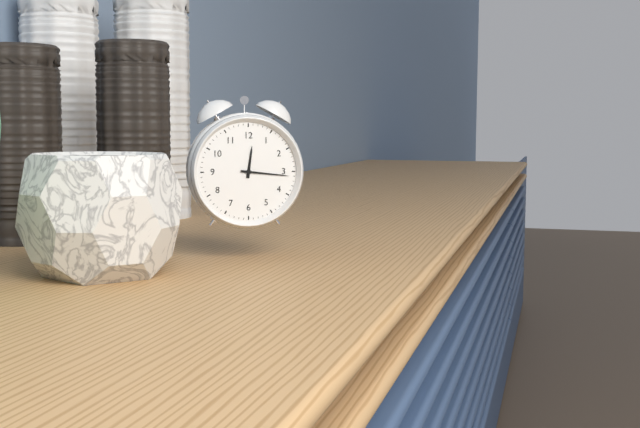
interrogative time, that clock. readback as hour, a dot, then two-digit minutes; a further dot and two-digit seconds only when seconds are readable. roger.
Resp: 12.16
